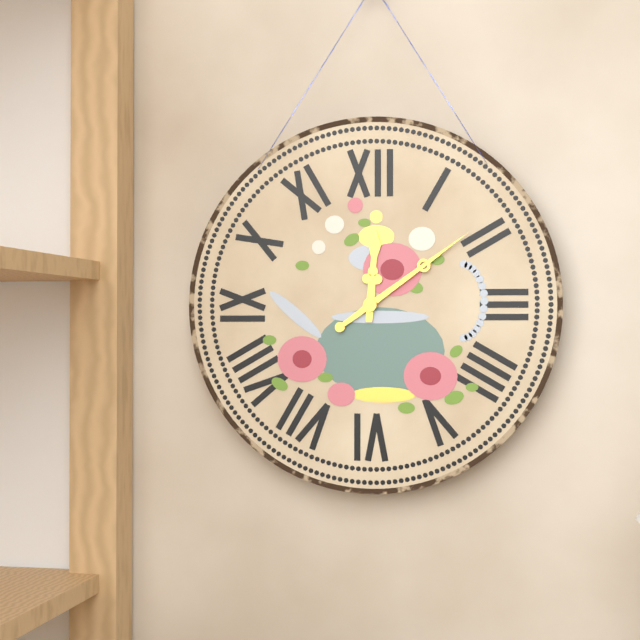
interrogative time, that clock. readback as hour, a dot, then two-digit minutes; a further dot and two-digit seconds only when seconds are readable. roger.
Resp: 12.09
